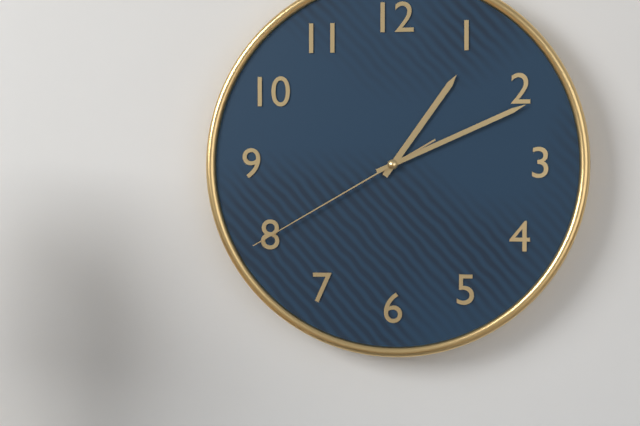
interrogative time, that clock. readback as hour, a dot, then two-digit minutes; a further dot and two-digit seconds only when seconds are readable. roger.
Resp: 1.11.40
